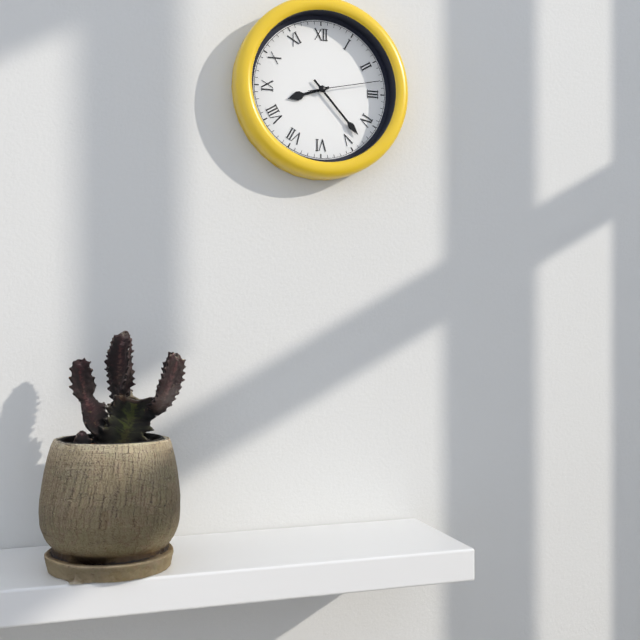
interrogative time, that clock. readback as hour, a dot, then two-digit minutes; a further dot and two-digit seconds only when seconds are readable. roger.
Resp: 8.23.13
